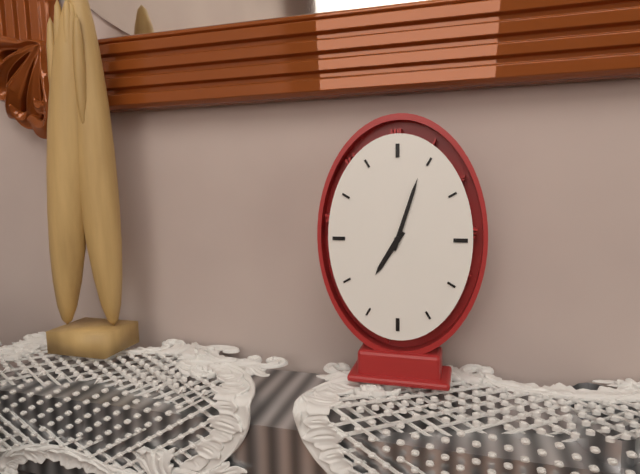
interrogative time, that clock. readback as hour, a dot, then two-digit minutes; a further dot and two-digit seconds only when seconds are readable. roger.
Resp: 7.03
